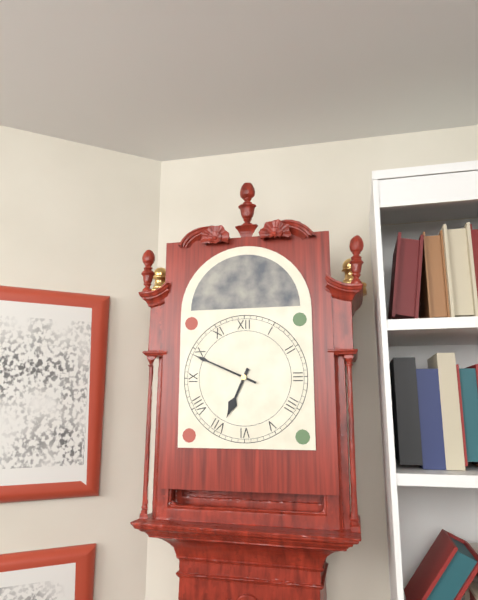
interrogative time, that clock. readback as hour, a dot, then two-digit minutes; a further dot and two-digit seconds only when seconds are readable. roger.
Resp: 6.49
